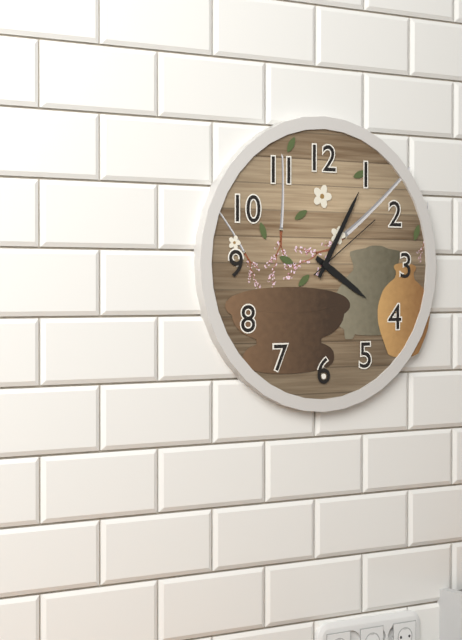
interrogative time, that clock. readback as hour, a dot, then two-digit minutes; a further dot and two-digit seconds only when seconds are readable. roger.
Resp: 4.05.09
